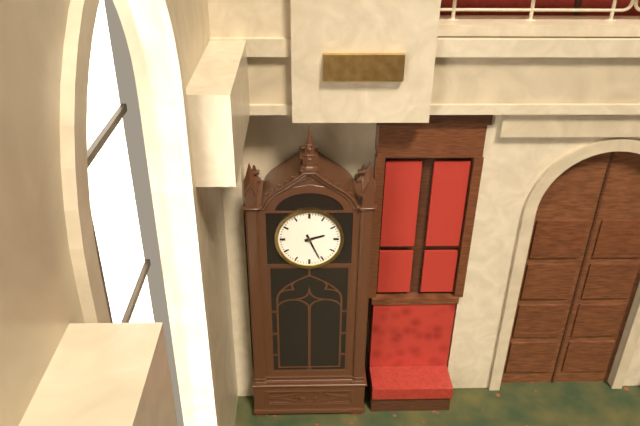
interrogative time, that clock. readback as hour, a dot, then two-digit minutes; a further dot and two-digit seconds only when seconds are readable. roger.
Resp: 2.26
